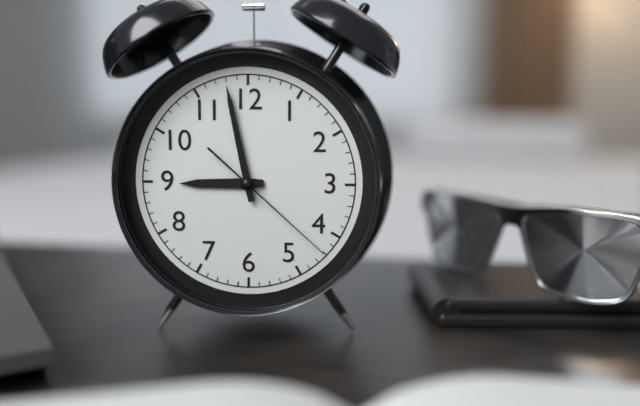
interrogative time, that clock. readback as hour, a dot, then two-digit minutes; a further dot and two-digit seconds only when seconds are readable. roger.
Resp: 8.58.22
